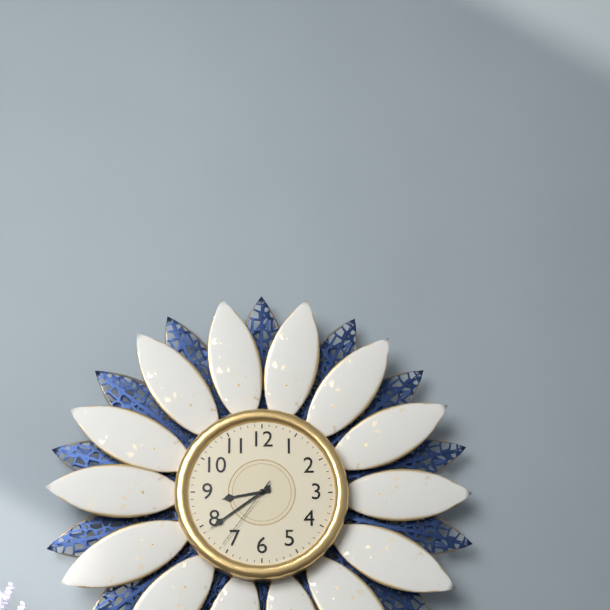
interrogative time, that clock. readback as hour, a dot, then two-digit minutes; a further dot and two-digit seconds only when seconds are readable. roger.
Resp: 8.39.36
